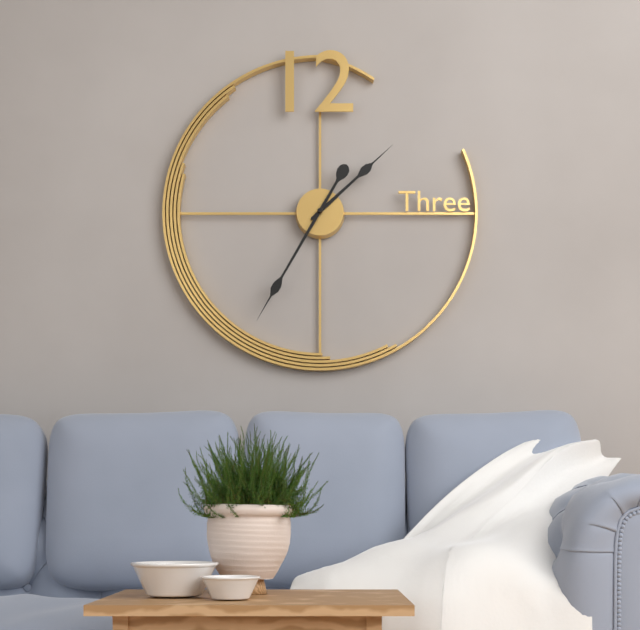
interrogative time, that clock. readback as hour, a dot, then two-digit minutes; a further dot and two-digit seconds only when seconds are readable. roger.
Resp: 1.35
